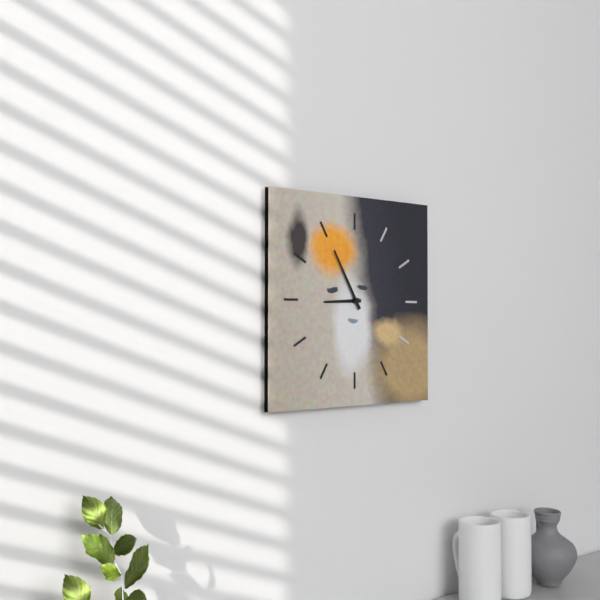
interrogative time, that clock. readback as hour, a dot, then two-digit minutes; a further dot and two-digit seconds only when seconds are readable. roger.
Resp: 8.55
